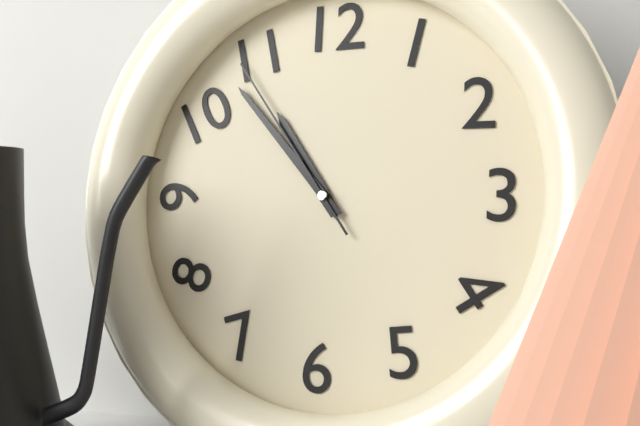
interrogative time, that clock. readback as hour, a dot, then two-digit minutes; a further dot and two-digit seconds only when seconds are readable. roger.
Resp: 10.53.54
